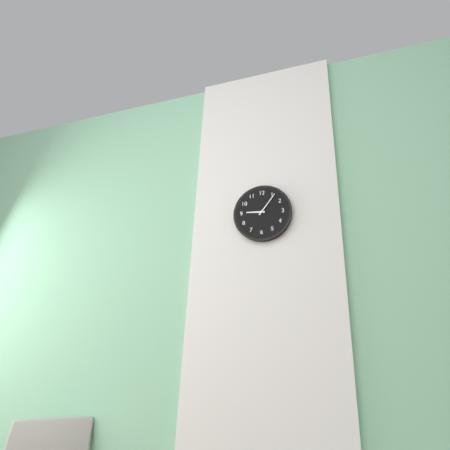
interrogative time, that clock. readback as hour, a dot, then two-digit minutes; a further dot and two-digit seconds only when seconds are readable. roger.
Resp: 9.06
